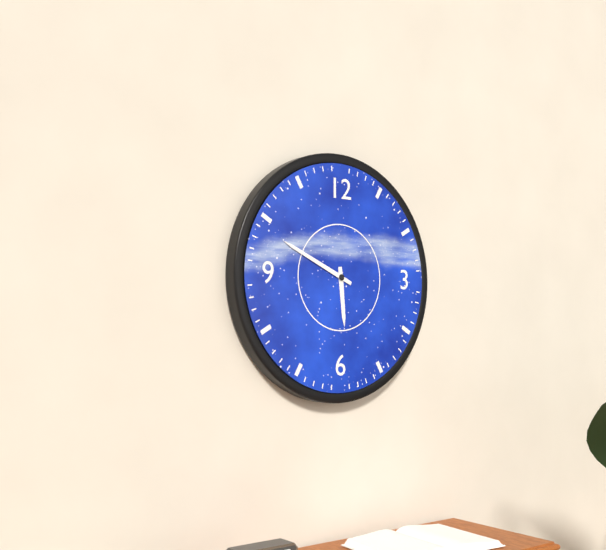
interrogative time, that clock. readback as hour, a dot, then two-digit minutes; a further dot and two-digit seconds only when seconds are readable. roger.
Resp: 5.49
